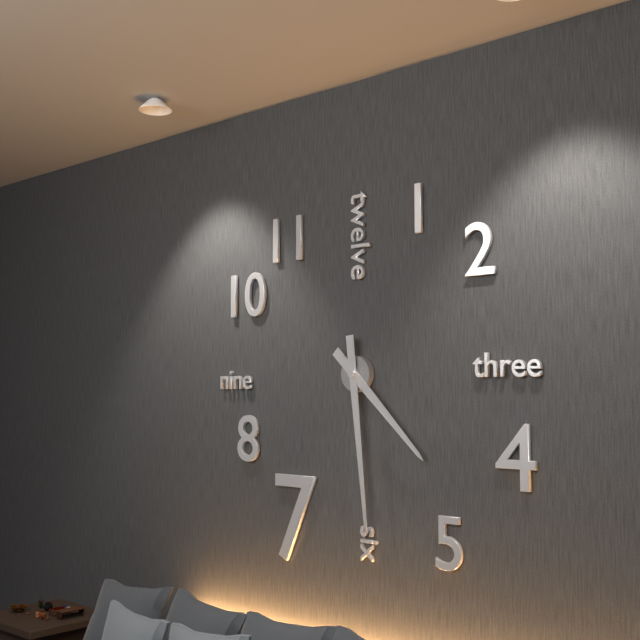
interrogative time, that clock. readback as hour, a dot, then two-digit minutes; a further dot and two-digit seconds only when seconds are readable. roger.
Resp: 4.29
